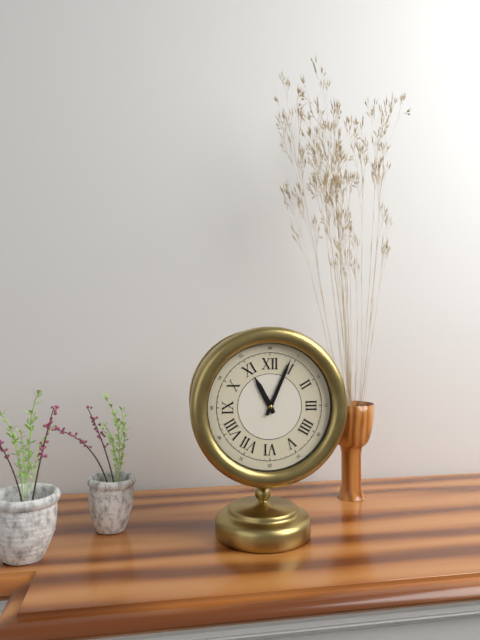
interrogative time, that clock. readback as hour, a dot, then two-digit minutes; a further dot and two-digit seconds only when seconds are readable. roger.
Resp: 11.04
